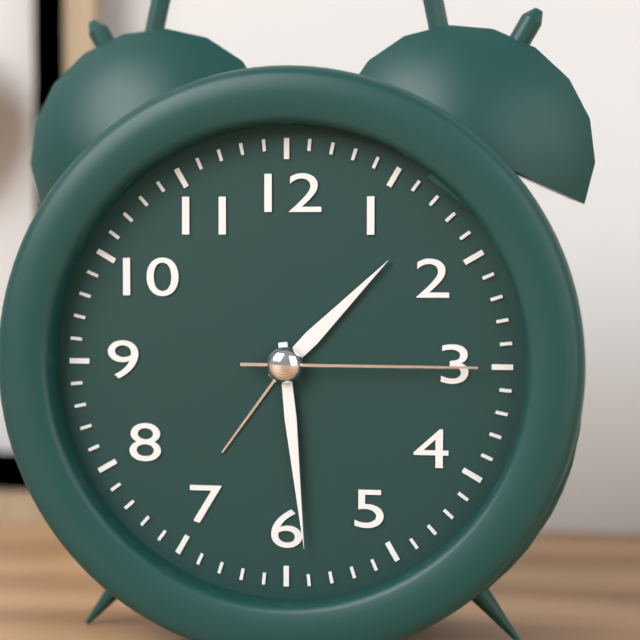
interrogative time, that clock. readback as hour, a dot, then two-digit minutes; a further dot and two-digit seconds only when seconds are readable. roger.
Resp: 1.29.15
